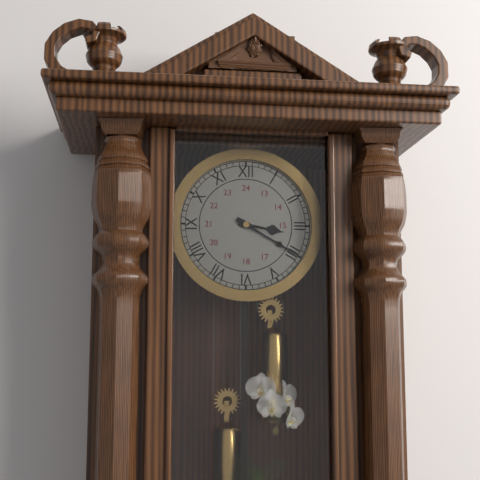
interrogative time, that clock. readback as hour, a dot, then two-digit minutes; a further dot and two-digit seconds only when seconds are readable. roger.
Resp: 3.20
